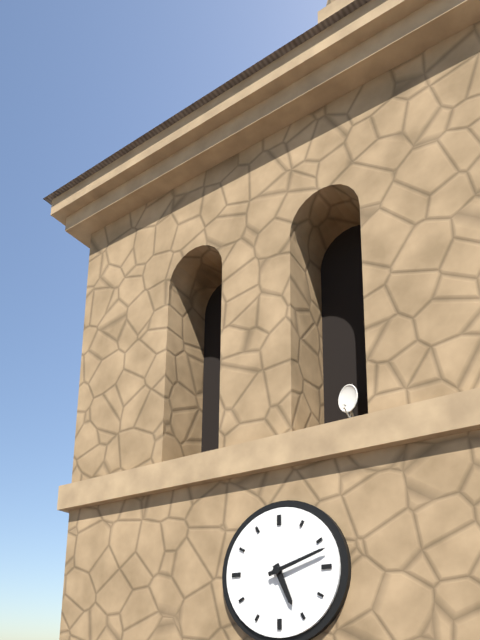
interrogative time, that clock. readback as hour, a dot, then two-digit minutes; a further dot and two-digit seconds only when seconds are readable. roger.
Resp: 5.12
